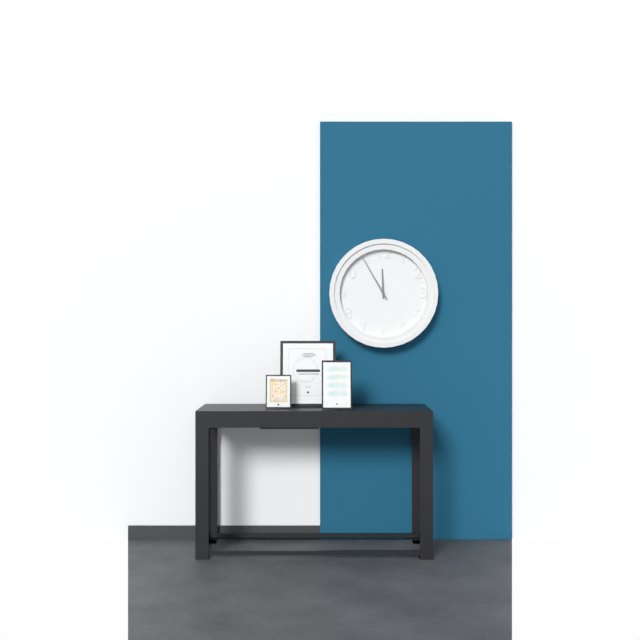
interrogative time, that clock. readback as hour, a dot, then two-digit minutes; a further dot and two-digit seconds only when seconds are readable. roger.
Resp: 11.55
